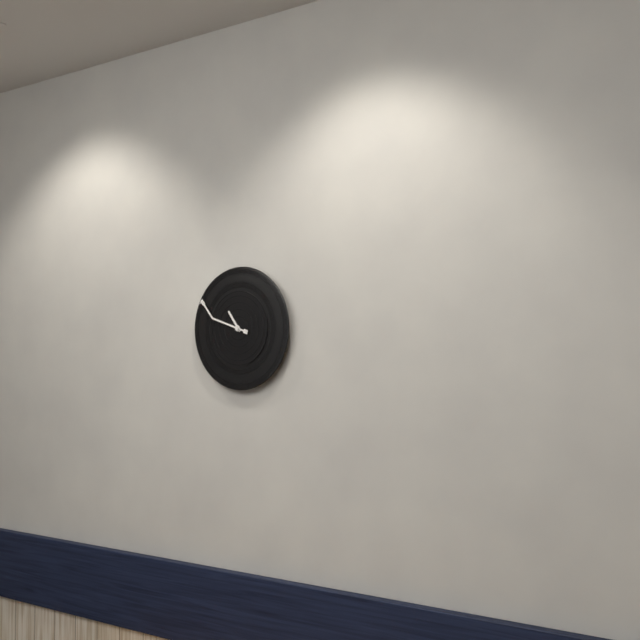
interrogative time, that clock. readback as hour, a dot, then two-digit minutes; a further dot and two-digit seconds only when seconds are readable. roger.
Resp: 10.48
